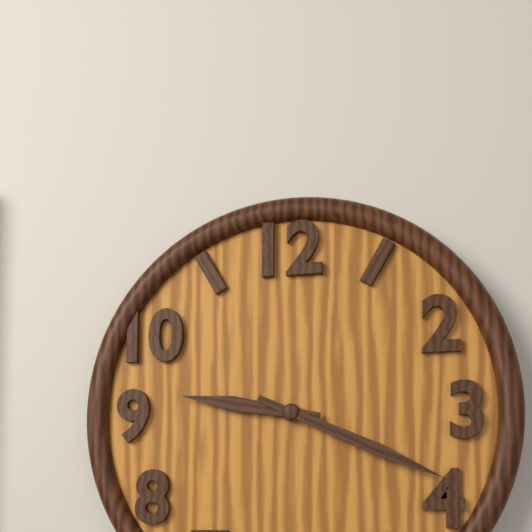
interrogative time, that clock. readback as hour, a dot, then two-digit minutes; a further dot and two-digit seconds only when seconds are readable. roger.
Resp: 9.19
